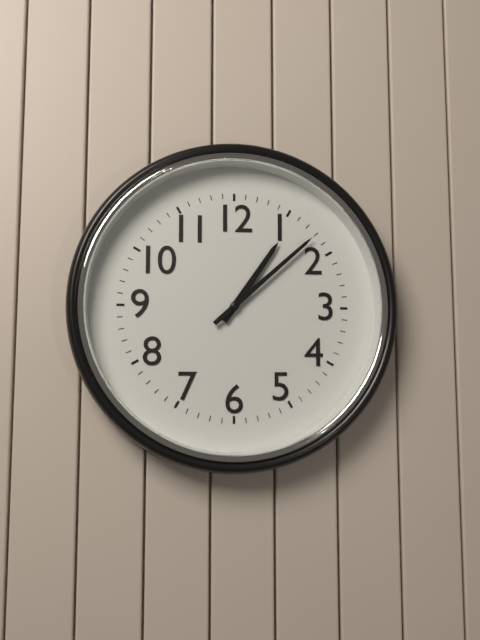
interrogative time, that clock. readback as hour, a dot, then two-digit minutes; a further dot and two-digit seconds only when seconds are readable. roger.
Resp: 1.08
